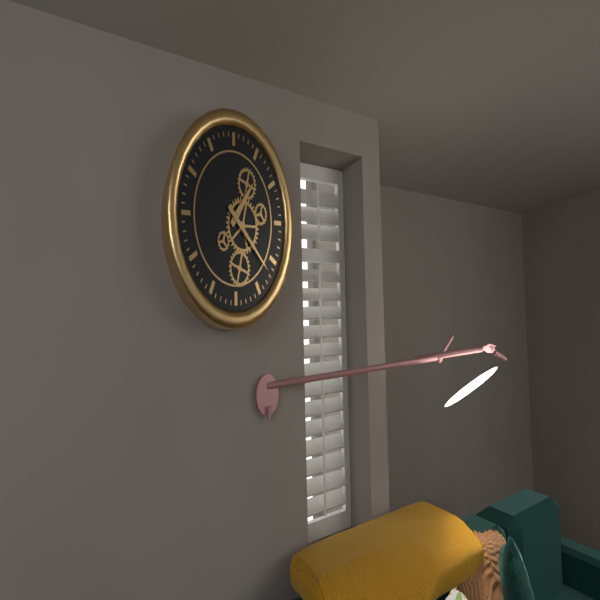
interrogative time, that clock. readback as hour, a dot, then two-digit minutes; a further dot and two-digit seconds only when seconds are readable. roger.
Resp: 1.22
